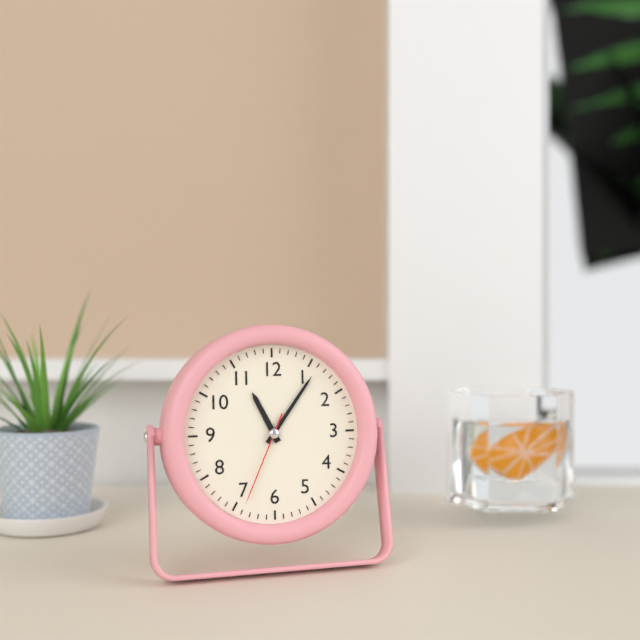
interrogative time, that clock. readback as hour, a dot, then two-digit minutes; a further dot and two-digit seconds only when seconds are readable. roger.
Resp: 11.06.34
